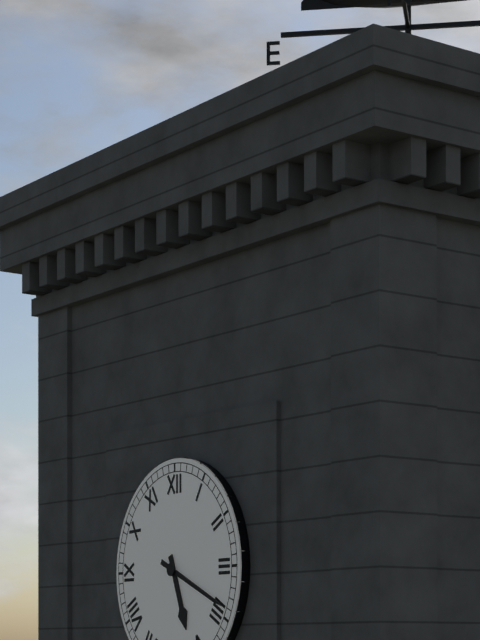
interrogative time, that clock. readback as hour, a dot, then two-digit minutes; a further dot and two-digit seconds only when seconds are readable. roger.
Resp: 5.19
